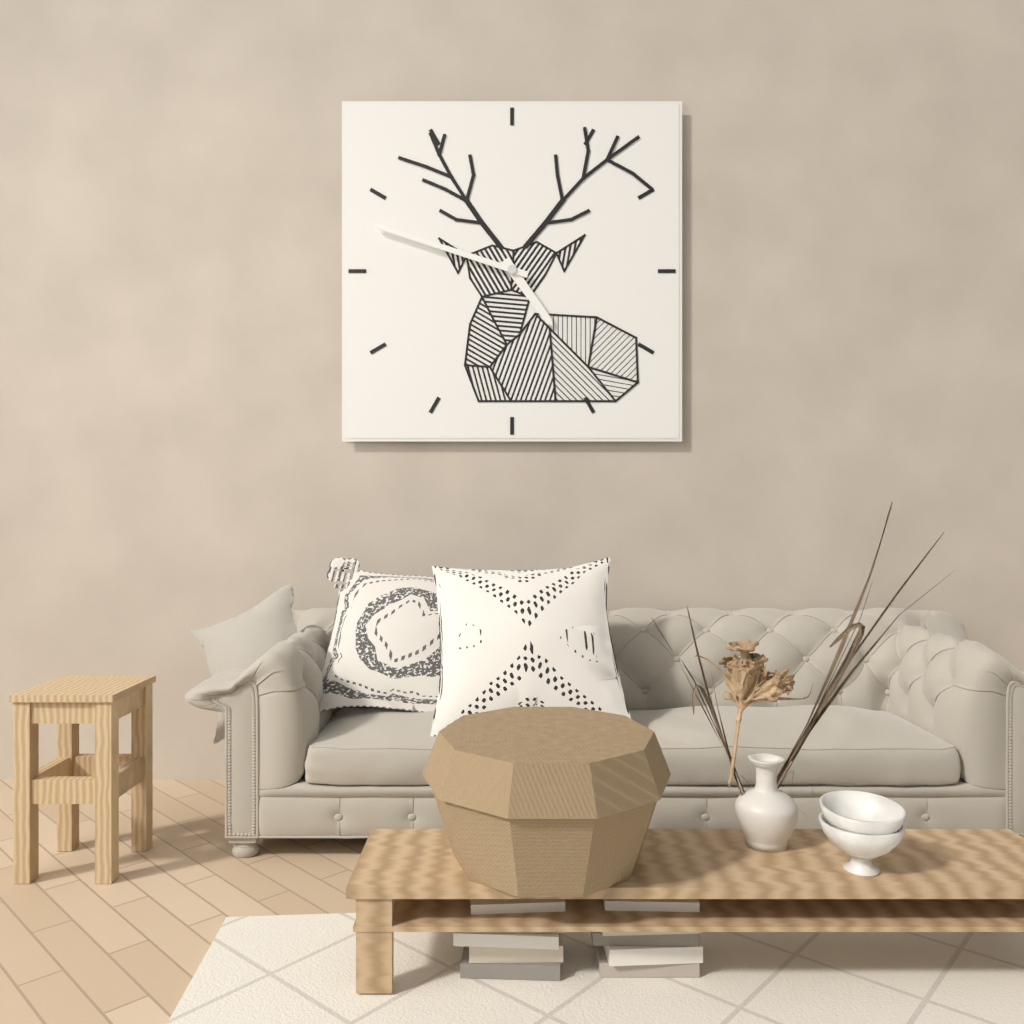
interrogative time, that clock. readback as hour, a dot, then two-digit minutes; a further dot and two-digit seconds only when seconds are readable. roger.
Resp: 4.48
